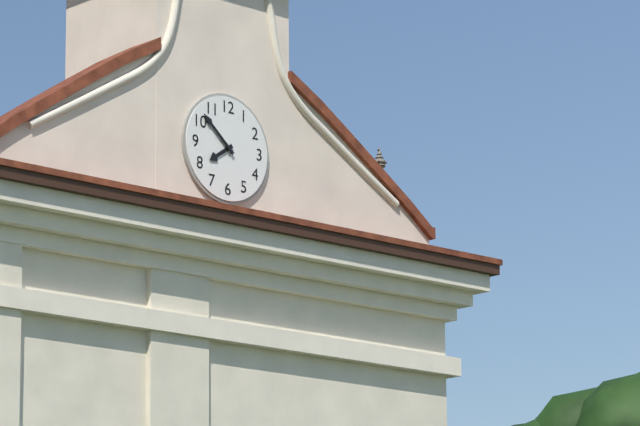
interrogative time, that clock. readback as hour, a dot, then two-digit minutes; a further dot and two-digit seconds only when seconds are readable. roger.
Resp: 7.52
